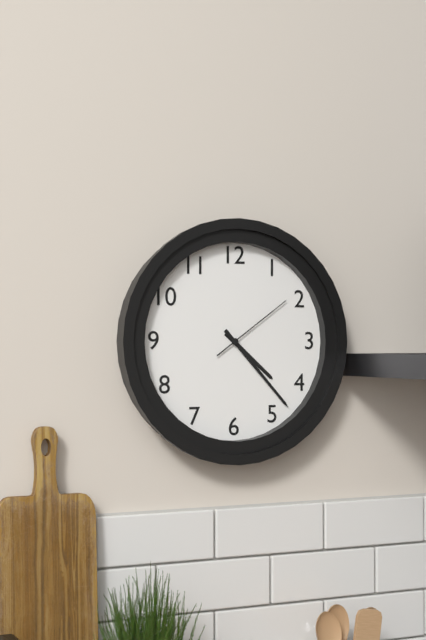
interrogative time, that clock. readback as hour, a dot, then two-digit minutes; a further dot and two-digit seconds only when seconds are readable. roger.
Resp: 4.23.09
